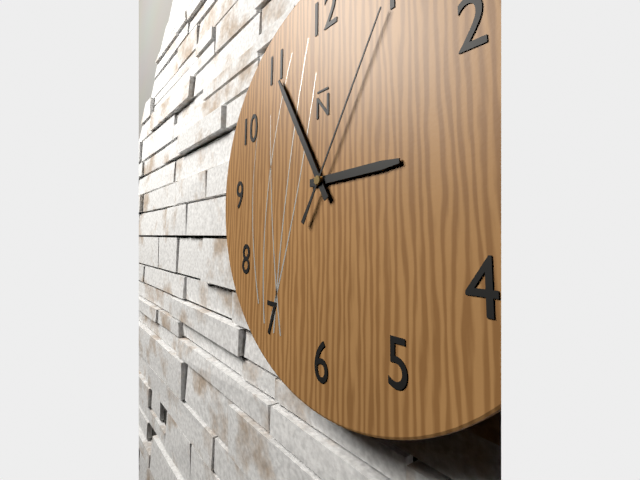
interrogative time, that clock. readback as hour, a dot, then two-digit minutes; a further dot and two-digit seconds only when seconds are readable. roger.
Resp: 2.55.05
